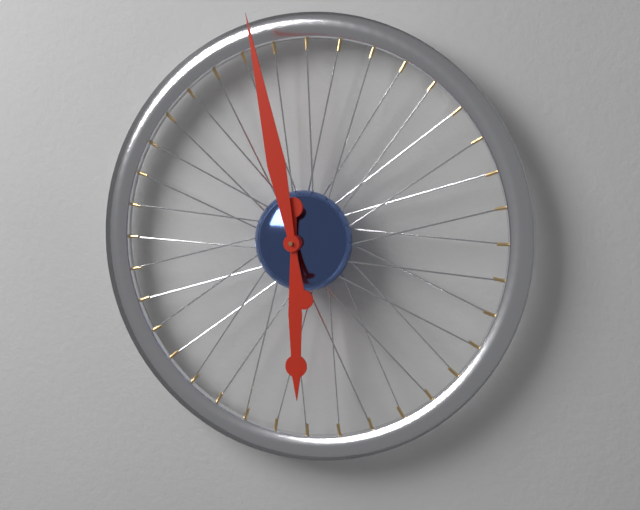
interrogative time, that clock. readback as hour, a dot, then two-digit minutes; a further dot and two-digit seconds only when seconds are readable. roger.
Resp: 5.58
